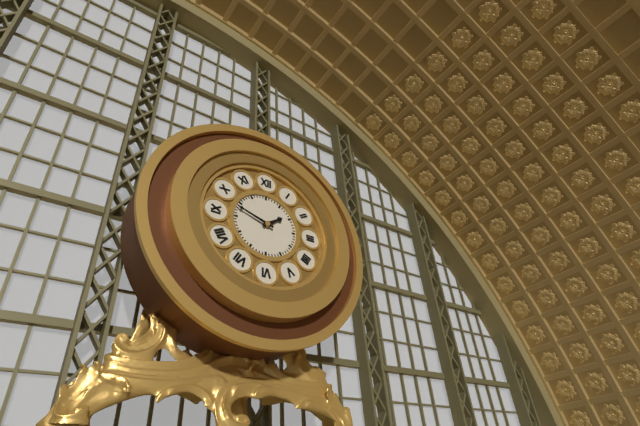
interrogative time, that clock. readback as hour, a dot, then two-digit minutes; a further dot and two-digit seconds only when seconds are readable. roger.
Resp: 1.48
